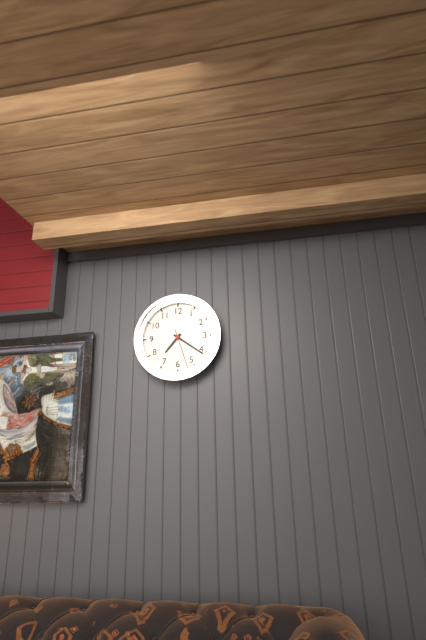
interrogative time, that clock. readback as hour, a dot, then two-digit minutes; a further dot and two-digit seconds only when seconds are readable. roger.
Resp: 7.21
